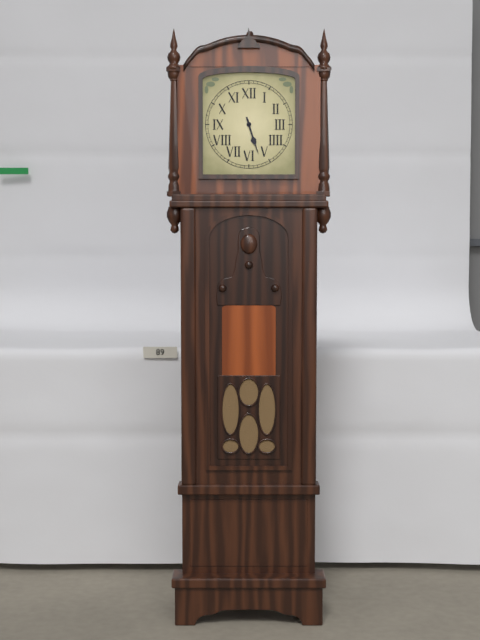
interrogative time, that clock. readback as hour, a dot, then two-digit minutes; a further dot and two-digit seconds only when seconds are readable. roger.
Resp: 5.27
